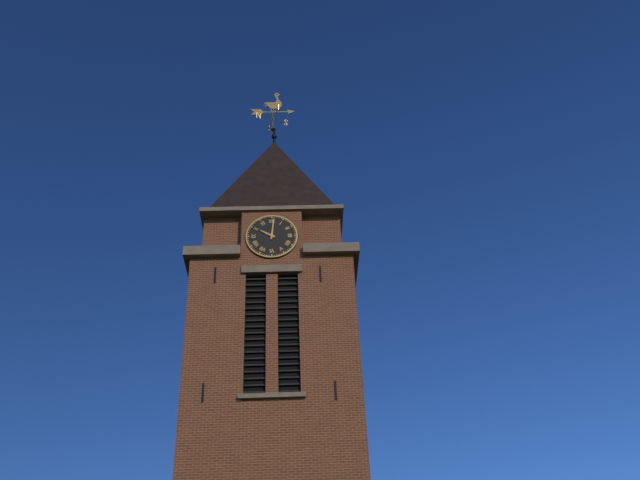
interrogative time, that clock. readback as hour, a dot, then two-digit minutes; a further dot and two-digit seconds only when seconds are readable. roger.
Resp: 10.01
